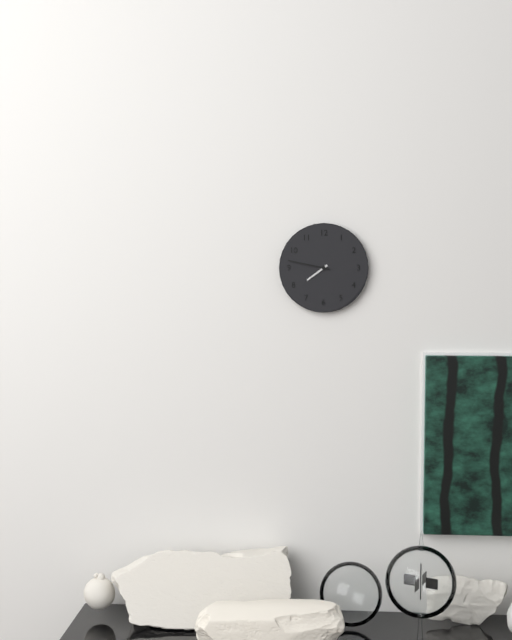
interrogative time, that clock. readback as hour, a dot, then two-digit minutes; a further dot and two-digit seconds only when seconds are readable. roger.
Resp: 7.47
